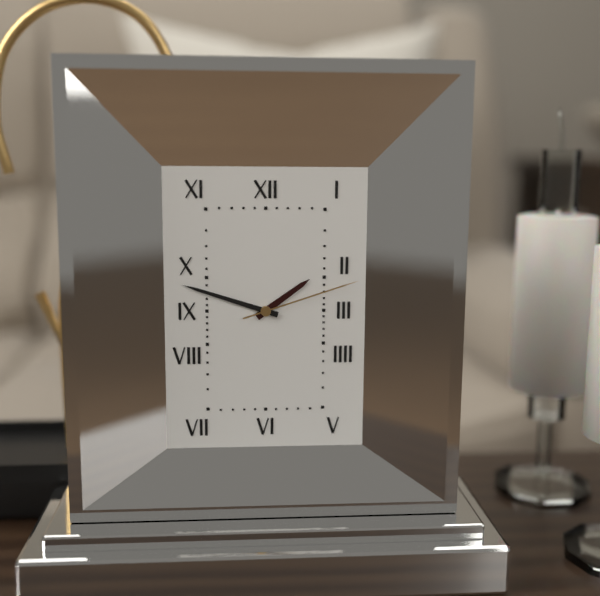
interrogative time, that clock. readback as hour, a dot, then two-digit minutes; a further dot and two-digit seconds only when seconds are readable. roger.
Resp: 1.48.12
